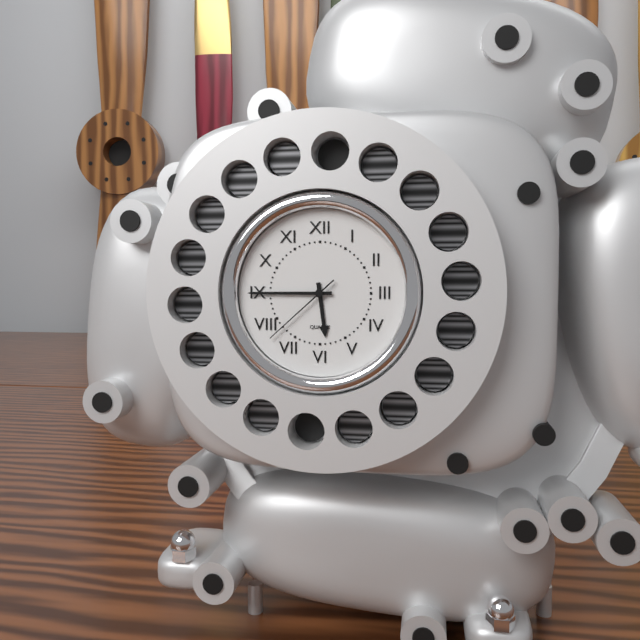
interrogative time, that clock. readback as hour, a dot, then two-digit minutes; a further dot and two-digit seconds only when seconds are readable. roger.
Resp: 5.45.38
